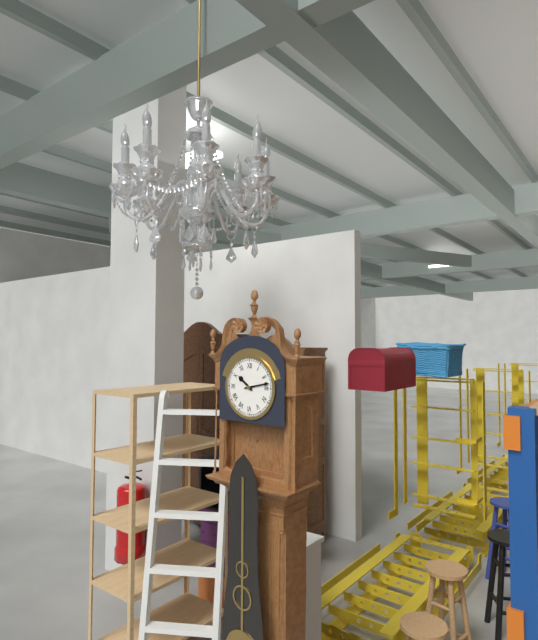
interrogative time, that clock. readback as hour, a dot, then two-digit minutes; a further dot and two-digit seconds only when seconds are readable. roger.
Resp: 10.13
